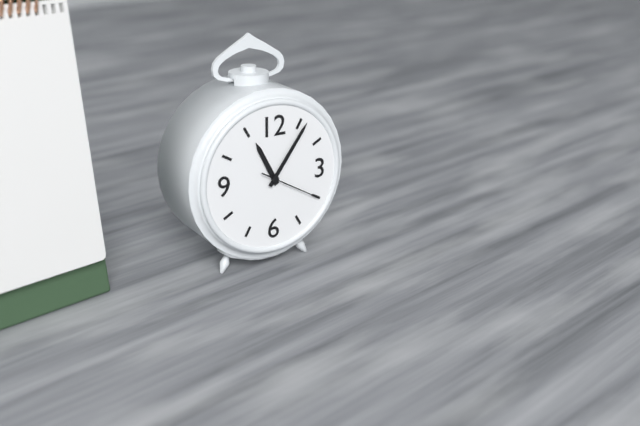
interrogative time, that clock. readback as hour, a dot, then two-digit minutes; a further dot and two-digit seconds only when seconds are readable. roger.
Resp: 11.06.20
